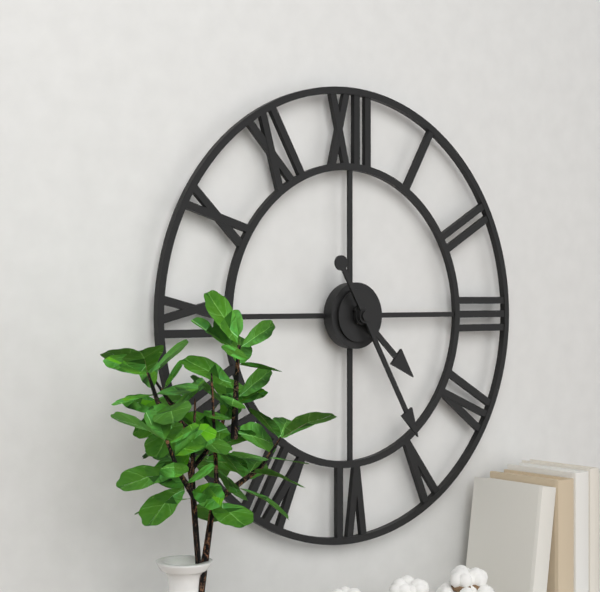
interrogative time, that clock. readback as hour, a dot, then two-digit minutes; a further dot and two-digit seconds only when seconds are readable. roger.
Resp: 4.25
